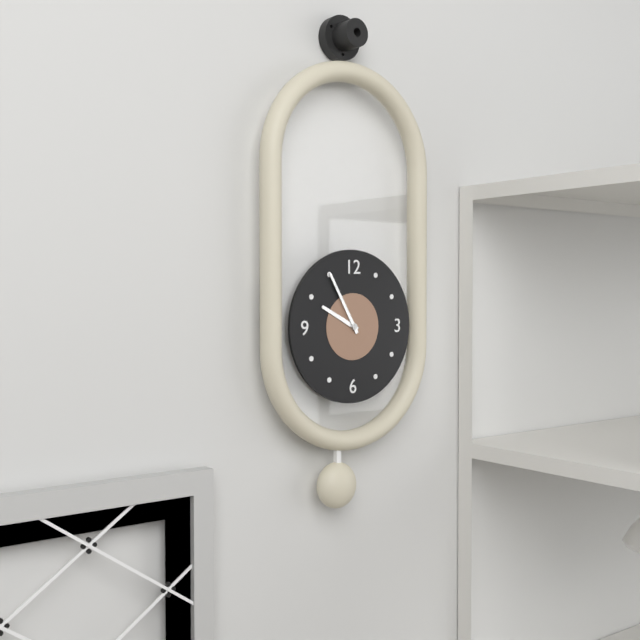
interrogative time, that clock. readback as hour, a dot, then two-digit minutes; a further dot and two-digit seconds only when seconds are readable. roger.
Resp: 9.55
